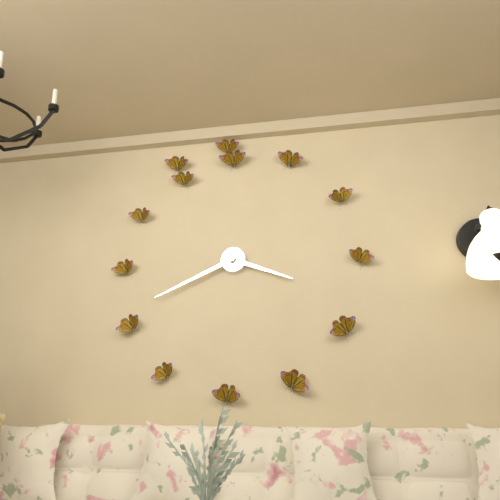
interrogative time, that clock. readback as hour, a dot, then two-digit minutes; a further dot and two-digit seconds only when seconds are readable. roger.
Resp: 3.41
